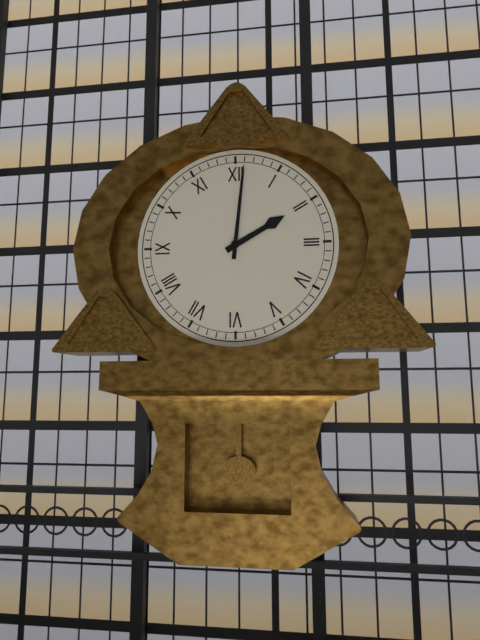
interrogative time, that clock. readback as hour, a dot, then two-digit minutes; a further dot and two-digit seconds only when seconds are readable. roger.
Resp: 2.01
